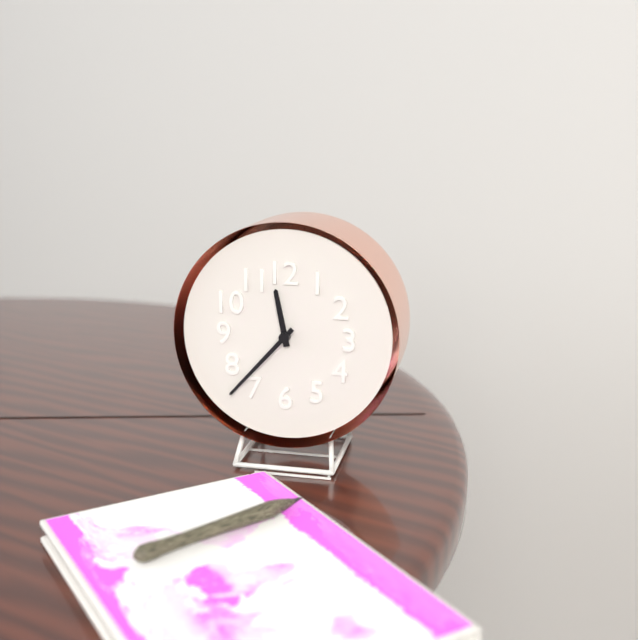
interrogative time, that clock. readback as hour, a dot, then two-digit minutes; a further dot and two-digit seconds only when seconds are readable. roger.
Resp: 11.37
